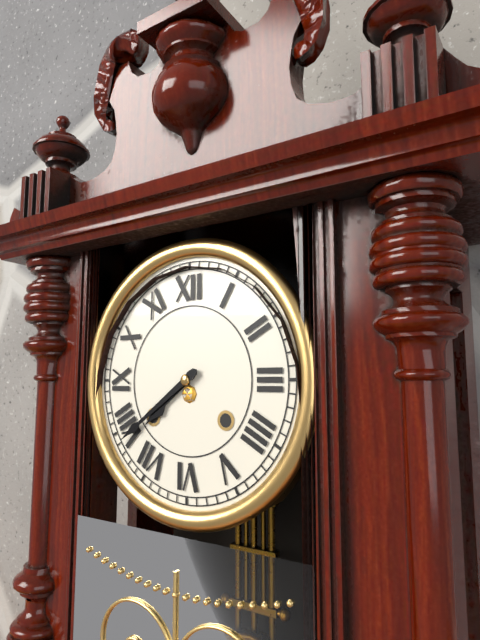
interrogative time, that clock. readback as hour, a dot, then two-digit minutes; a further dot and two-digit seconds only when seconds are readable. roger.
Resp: 7.39
